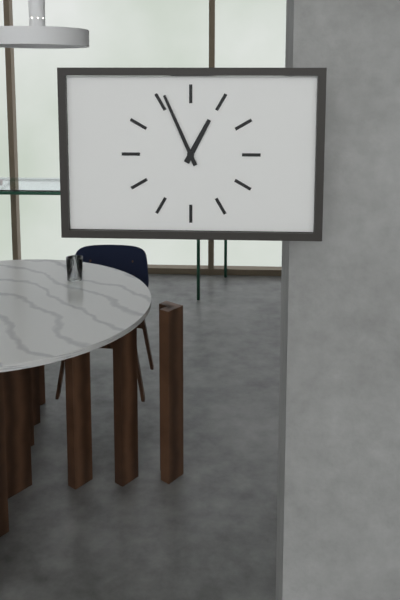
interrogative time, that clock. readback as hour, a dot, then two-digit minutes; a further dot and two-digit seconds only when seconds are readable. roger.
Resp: 12.56
